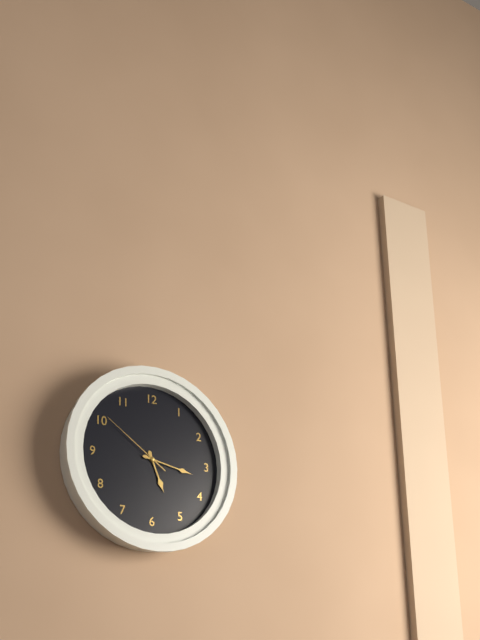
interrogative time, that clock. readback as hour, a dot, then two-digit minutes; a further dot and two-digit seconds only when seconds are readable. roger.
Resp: 5.17.51
